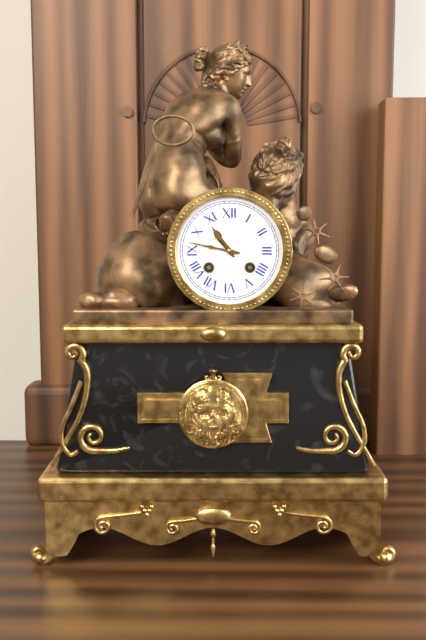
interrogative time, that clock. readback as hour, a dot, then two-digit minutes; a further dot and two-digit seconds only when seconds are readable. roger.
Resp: 10.47
